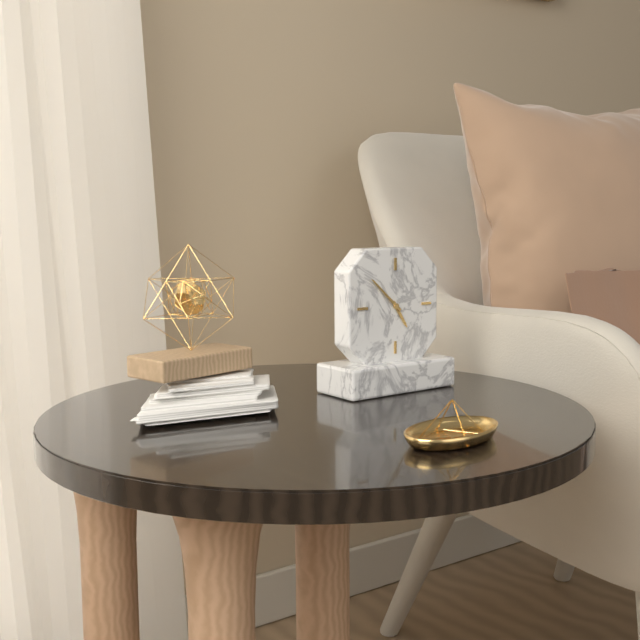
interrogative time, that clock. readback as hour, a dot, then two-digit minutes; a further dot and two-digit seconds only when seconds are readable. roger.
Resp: 4.52
